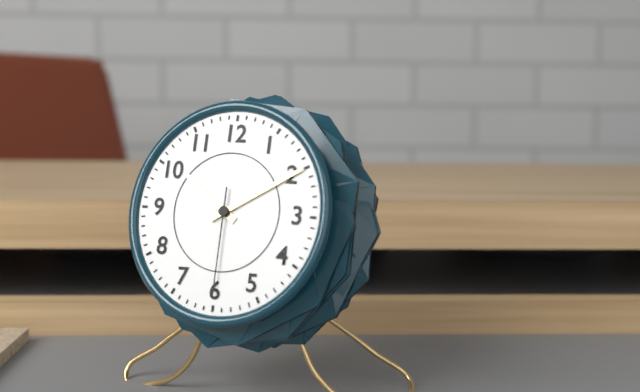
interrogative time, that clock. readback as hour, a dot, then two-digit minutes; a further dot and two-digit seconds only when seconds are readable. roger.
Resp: 10.10.30
